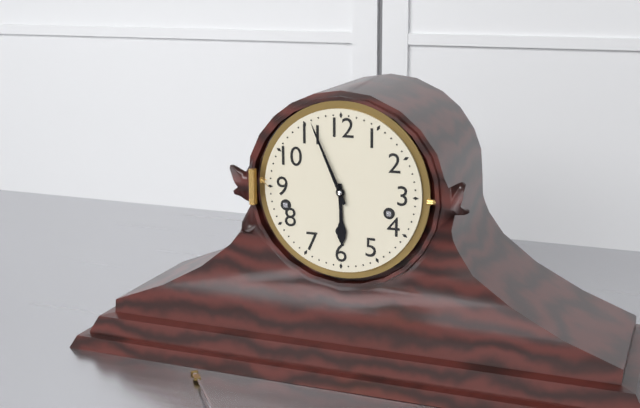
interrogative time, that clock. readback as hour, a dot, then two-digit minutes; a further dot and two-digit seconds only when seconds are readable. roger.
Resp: 5.56
